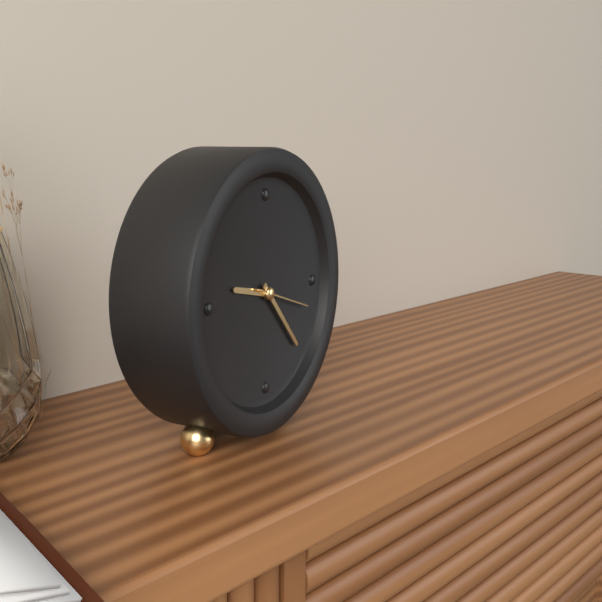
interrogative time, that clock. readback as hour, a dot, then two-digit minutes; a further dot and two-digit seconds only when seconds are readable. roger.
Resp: 9.23
